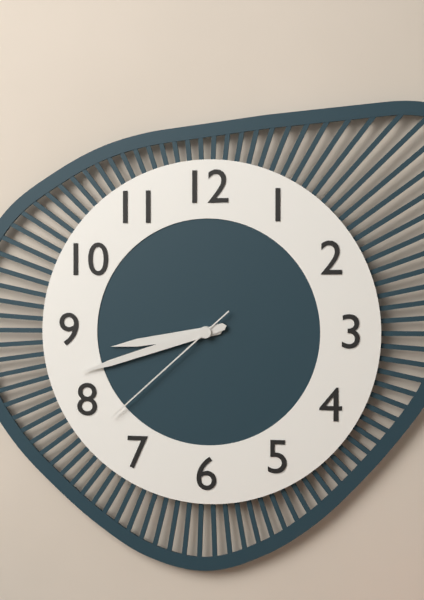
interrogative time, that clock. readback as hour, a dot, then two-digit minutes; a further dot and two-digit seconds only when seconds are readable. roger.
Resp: 8.42.38
